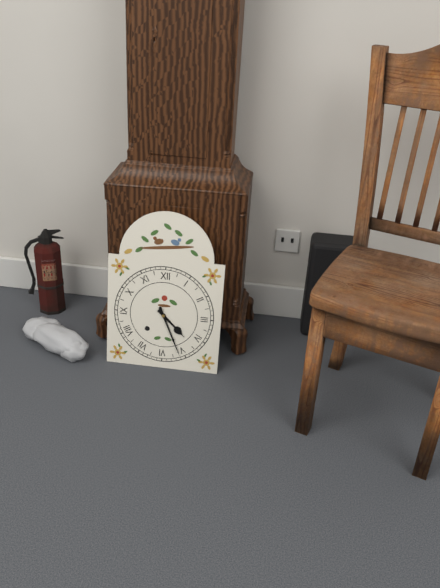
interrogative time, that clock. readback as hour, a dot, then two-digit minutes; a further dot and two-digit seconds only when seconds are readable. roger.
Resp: 4.26
